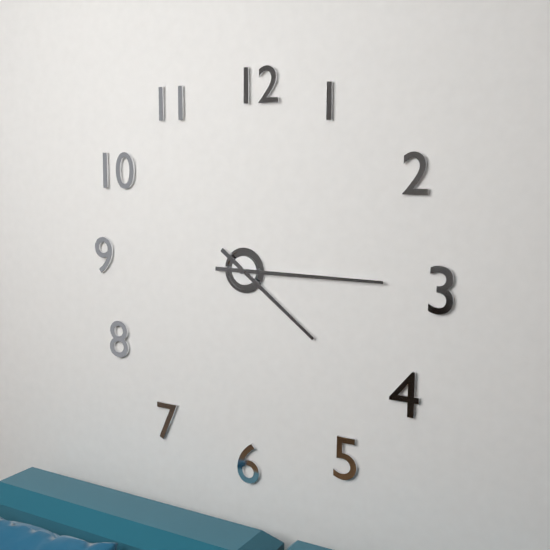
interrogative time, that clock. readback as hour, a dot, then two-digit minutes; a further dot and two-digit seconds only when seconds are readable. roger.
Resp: 4.15
